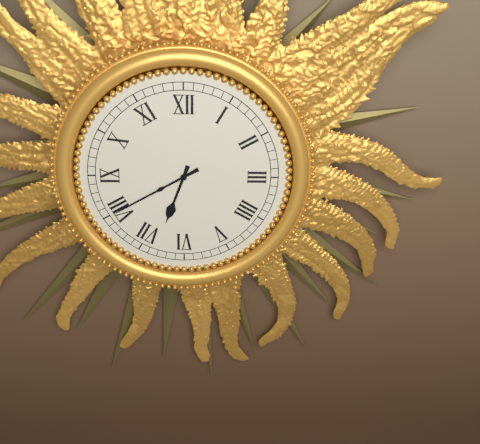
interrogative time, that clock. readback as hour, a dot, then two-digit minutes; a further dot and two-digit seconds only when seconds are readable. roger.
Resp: 6.40
